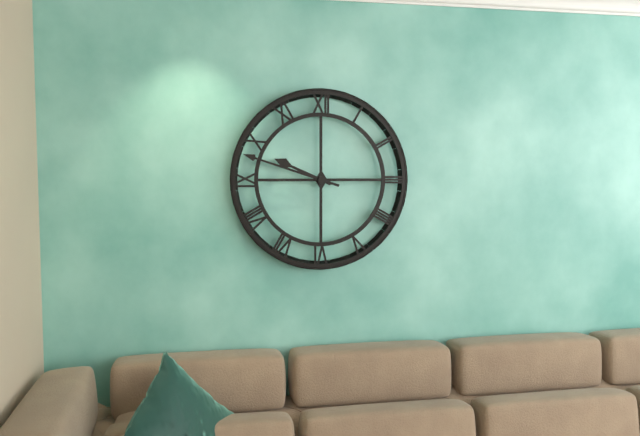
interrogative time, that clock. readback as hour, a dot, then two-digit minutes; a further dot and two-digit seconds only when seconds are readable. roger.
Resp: 9.48
